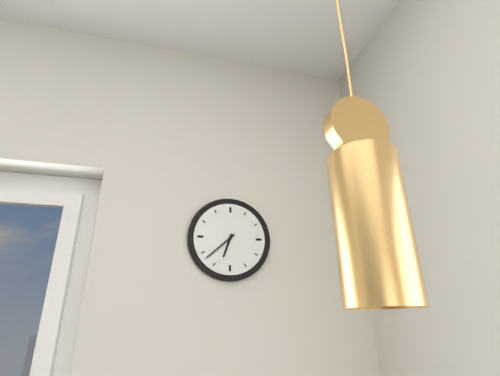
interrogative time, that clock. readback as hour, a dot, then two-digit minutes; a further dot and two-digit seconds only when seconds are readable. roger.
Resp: 6.38
